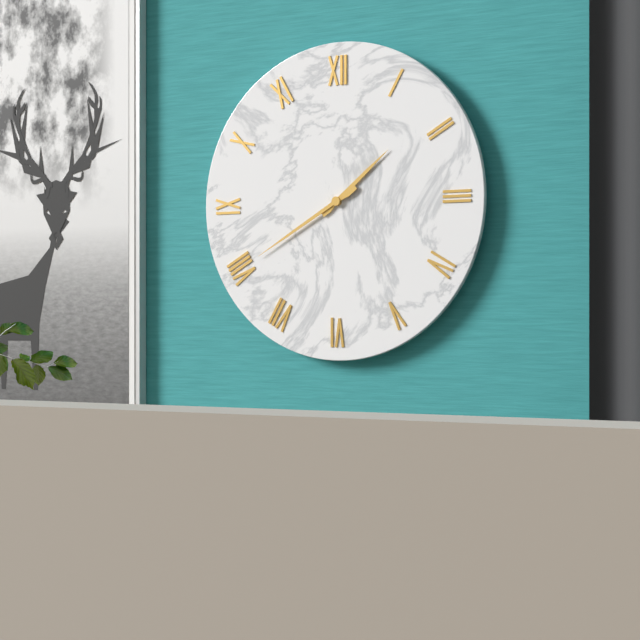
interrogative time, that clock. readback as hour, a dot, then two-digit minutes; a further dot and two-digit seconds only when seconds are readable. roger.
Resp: 1.40
